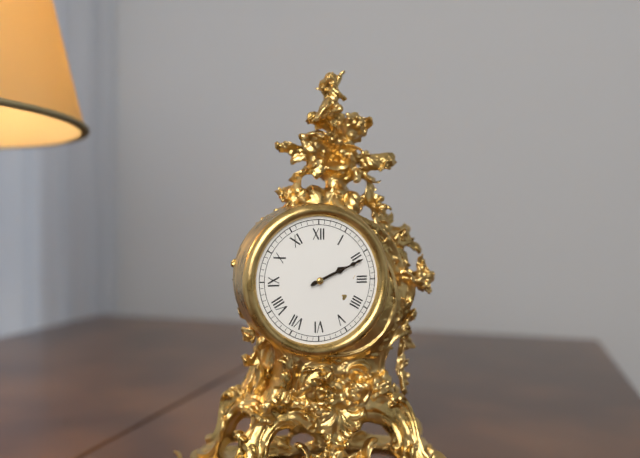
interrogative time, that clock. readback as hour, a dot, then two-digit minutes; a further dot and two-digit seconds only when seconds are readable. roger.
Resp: 2.11
